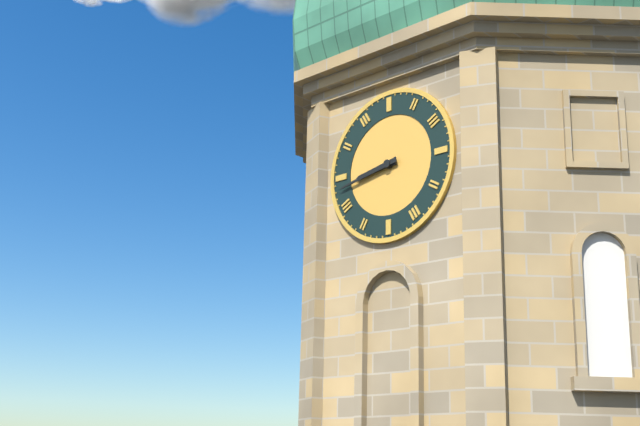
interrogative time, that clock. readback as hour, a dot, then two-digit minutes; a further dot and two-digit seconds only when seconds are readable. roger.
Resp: 8.43
